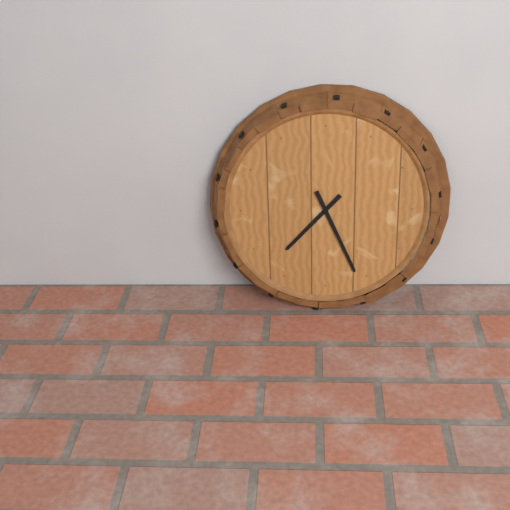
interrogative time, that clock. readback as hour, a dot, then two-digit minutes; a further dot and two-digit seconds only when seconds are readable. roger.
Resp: 7.26
